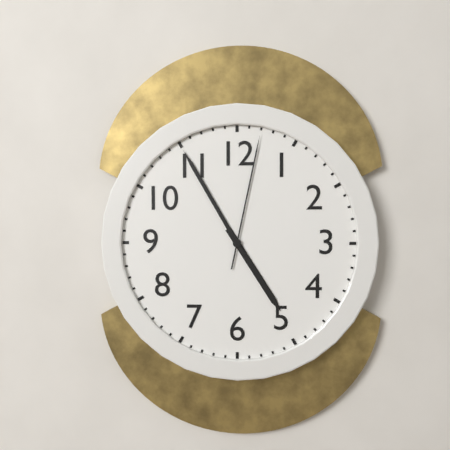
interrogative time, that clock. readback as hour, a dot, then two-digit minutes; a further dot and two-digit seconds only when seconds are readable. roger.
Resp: 4.55.02
